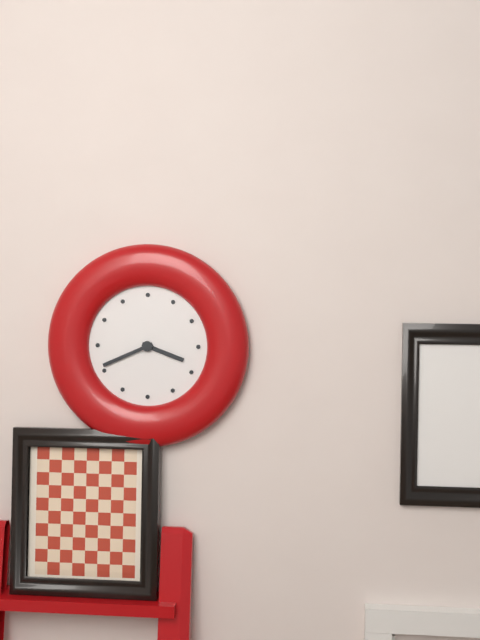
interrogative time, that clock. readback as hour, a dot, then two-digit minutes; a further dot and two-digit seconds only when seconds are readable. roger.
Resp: 3.41
